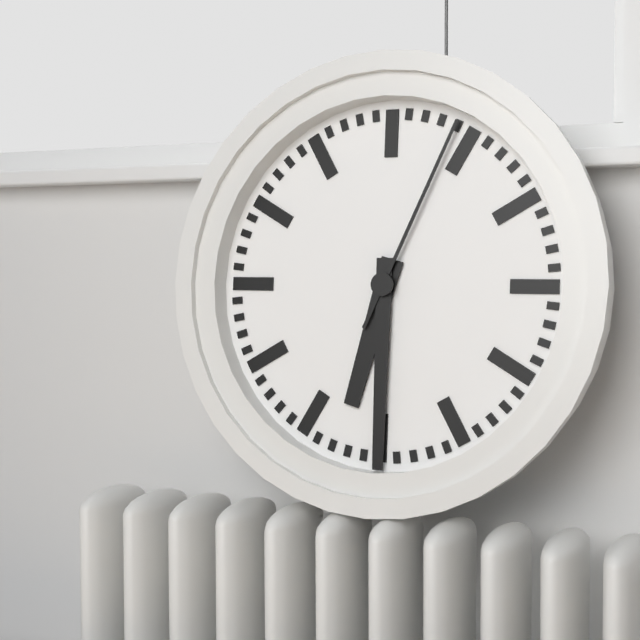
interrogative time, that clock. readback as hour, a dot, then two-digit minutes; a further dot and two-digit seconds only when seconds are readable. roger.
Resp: 6.30.04
